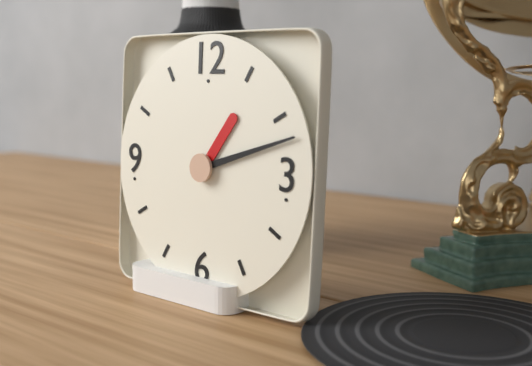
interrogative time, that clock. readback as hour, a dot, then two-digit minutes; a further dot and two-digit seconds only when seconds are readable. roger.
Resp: 1.12
